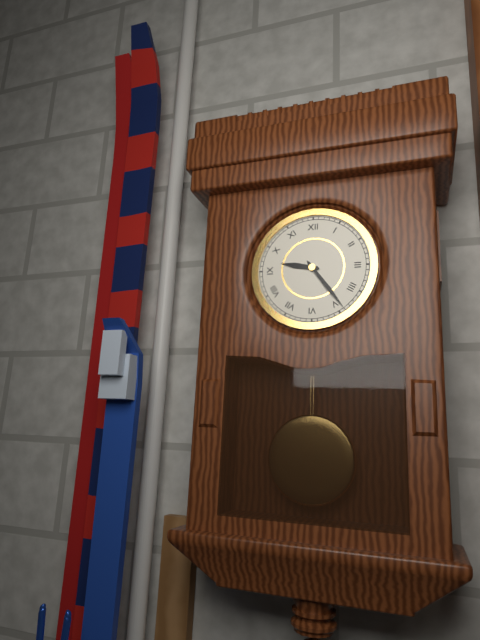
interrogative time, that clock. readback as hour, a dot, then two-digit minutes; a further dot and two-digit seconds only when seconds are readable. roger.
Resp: 9.24
